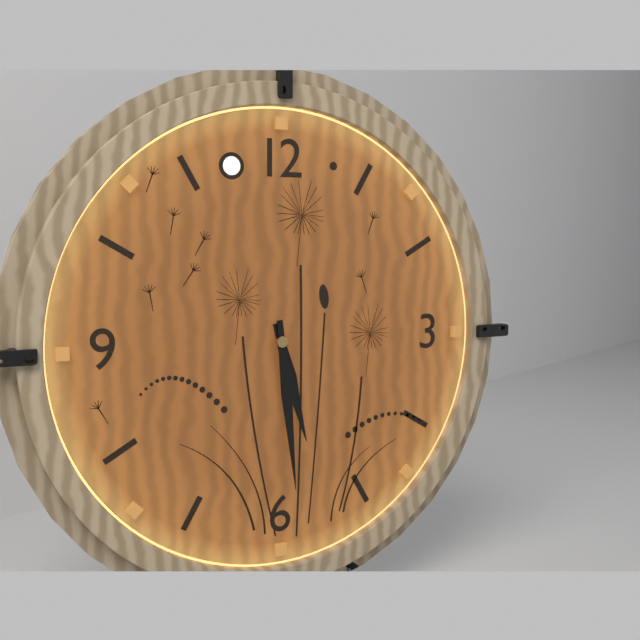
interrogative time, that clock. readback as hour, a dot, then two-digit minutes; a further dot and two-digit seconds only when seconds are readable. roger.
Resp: 5.29
